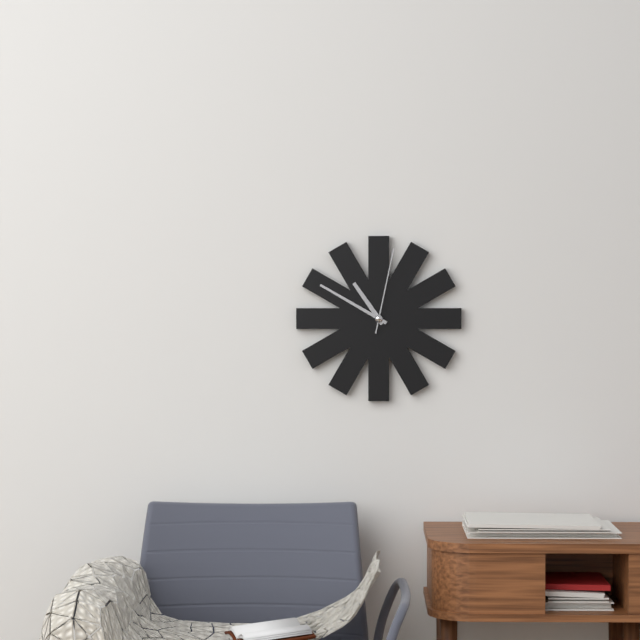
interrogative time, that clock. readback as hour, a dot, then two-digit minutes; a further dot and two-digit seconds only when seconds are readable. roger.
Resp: 10.50.02
